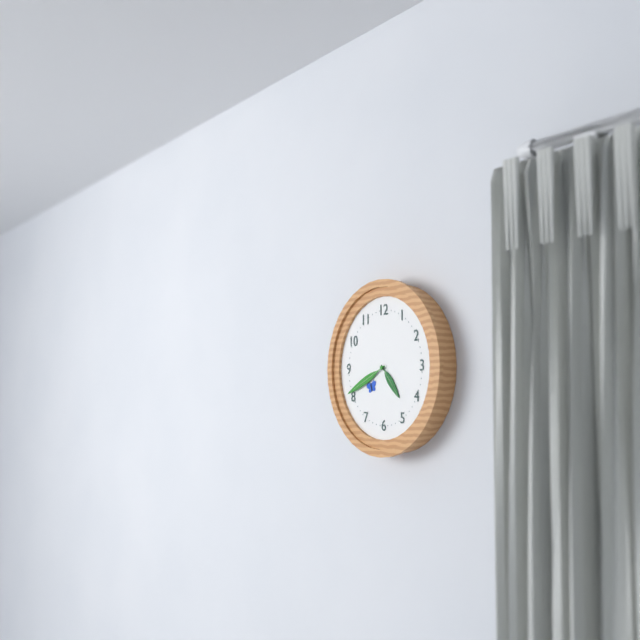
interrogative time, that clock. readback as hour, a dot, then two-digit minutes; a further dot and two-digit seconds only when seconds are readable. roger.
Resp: 4.41
